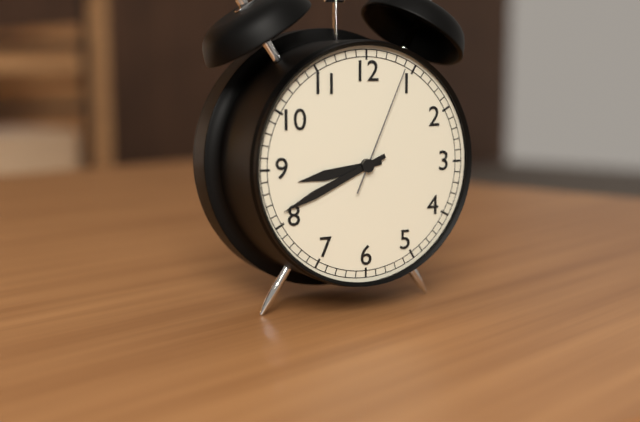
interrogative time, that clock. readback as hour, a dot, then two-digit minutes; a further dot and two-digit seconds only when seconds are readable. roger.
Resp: 8.41.04
